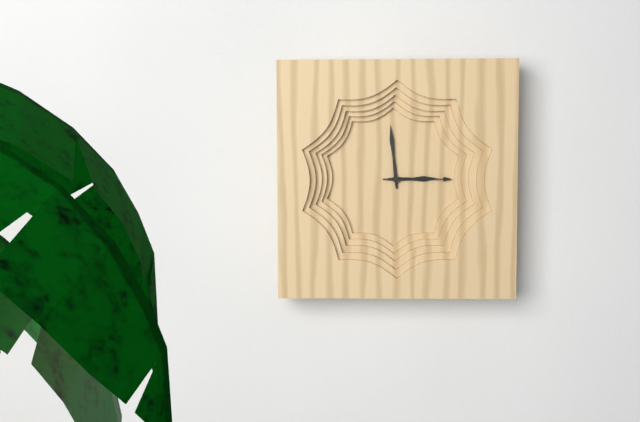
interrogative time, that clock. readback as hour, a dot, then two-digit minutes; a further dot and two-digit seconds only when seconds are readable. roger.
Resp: 2.59.15
